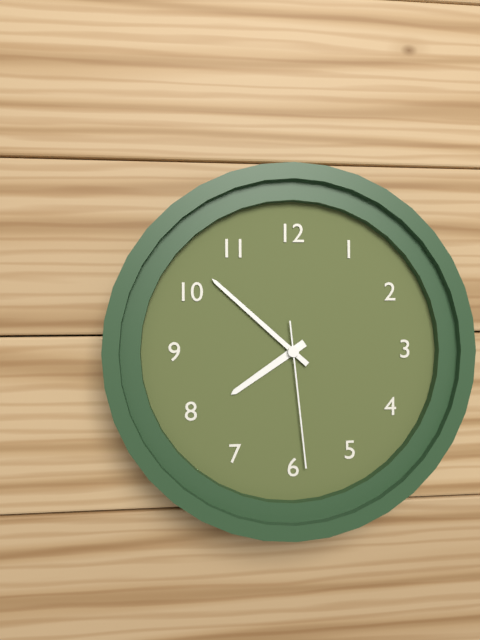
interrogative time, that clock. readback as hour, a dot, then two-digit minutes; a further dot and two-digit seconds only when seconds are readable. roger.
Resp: 7.52.29
